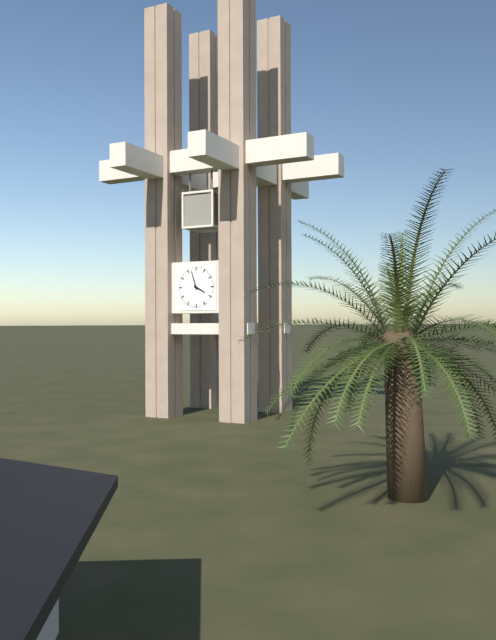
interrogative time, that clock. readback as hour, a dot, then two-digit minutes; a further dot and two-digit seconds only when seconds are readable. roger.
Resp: 3.57
